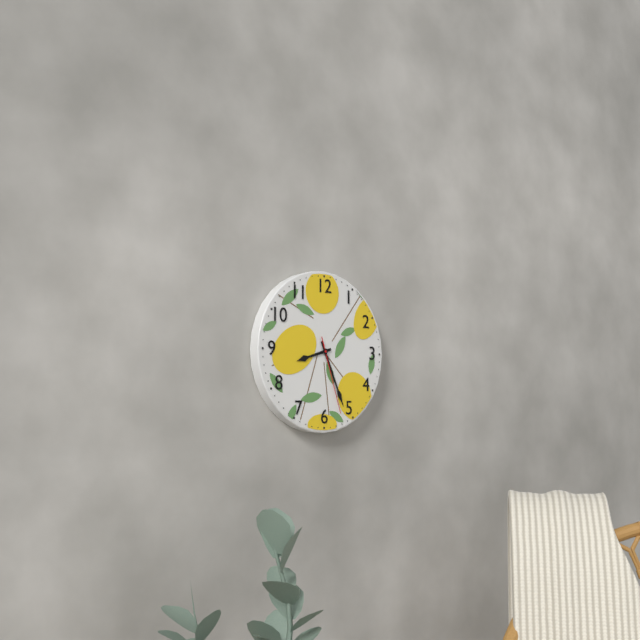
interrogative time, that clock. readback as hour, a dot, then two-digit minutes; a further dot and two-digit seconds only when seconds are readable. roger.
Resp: 8.26.27
